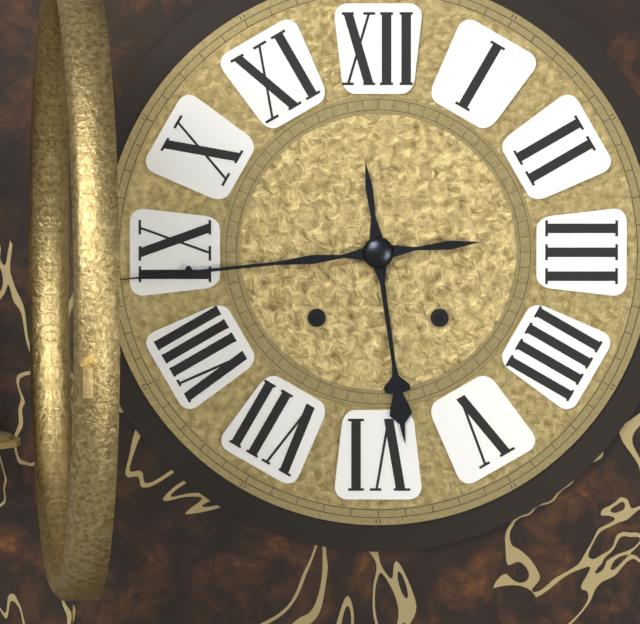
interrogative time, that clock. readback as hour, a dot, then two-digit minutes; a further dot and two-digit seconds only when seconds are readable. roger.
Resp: 5.44
